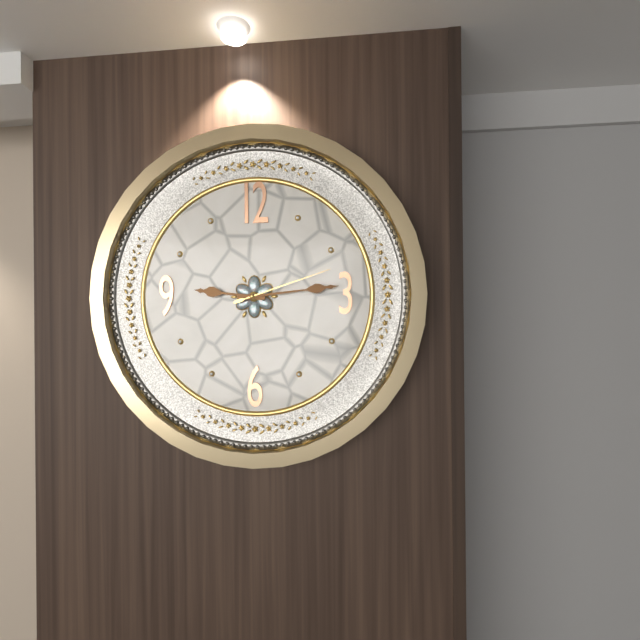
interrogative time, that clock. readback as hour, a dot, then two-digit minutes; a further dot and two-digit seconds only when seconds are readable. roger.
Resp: 9.14.12
